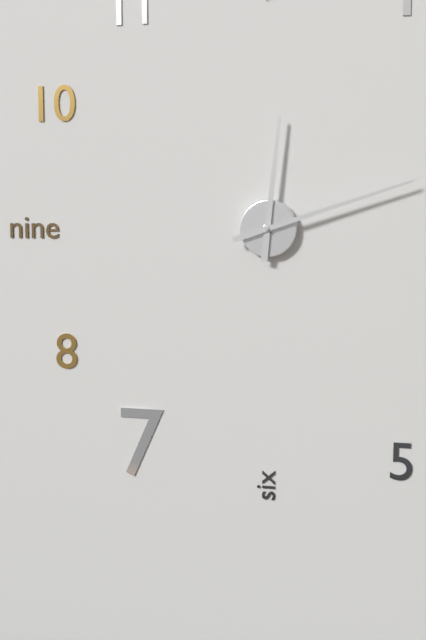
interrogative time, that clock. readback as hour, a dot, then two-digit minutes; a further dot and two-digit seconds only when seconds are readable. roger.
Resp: 12.12
